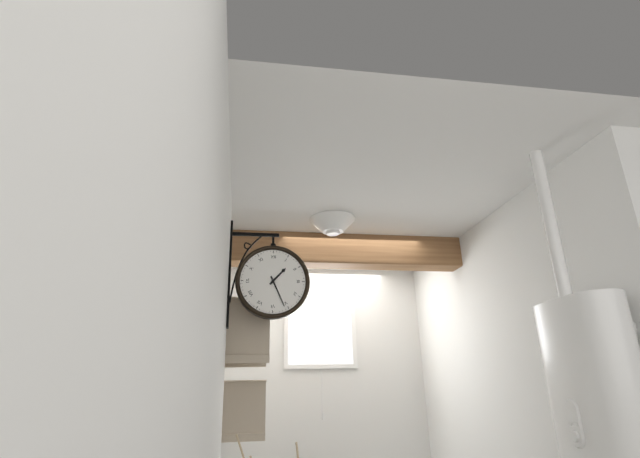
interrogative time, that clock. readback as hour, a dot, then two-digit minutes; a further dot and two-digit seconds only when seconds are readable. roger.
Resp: 1.26
